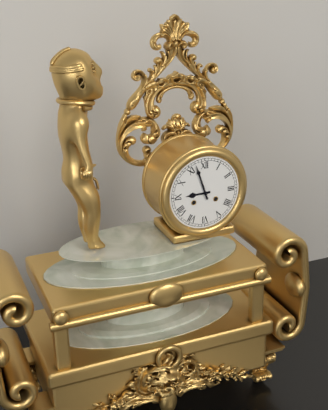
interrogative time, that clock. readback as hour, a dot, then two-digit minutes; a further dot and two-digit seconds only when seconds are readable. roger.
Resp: 8.57
